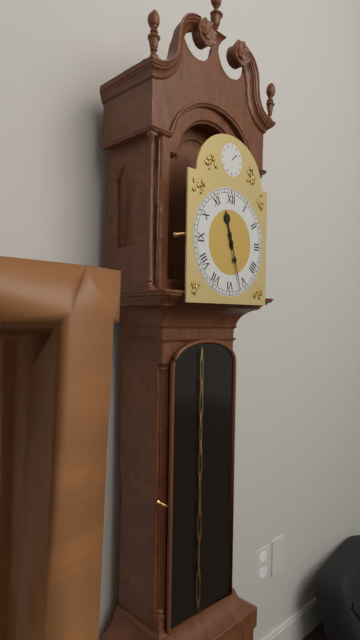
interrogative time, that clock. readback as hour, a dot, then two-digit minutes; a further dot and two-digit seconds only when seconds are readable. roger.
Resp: 11.27
